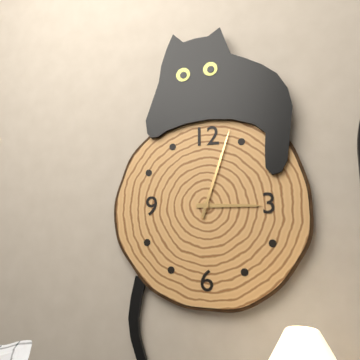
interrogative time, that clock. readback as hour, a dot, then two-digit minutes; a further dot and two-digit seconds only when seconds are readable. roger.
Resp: 3.03
